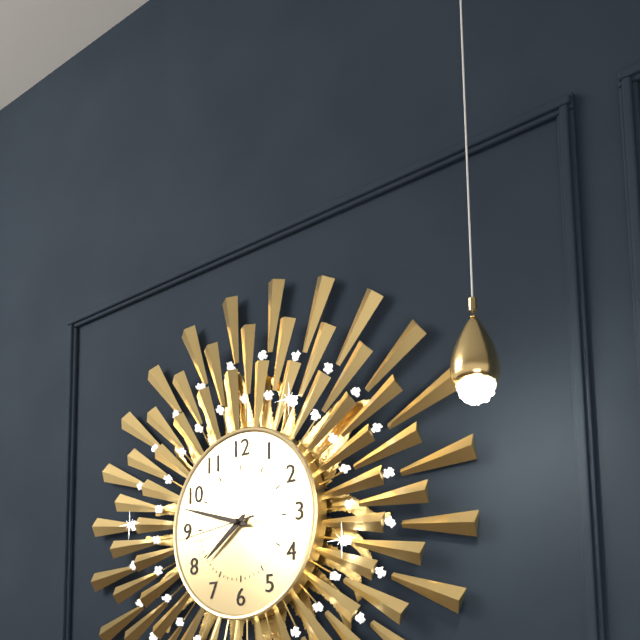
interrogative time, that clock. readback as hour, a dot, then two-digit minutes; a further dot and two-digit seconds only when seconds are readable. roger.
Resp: 7.48.44
